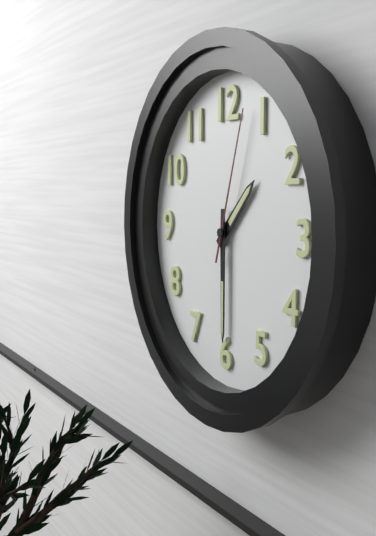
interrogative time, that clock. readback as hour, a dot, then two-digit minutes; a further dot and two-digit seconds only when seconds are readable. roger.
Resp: 1.30.03
